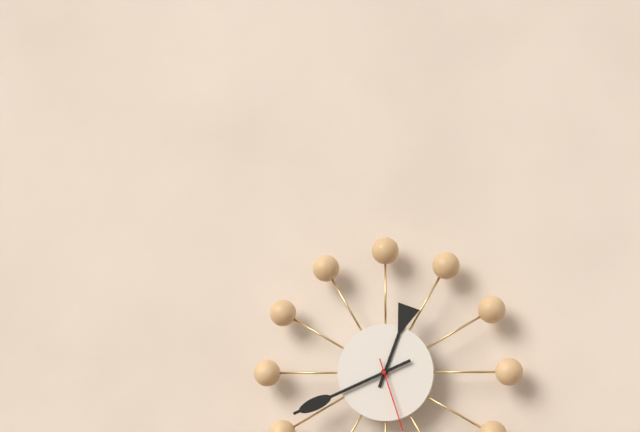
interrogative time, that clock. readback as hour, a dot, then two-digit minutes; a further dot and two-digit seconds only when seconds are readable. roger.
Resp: 12.41.27
